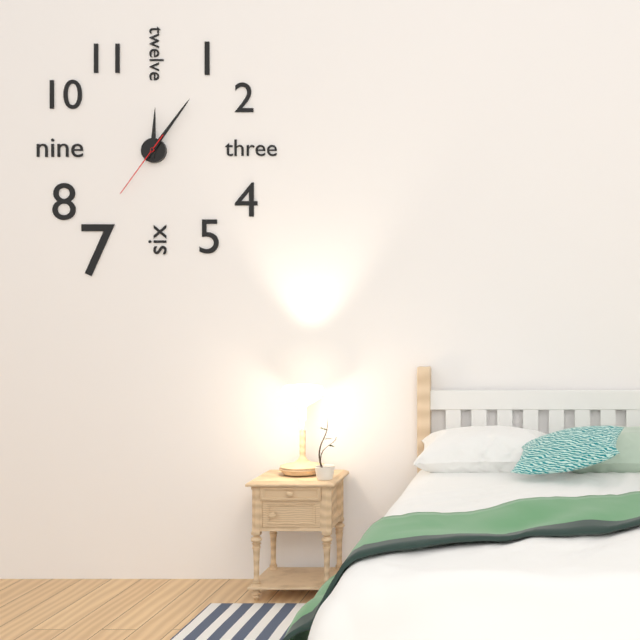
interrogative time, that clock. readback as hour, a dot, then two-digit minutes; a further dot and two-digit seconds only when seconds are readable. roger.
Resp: 12.06.36
